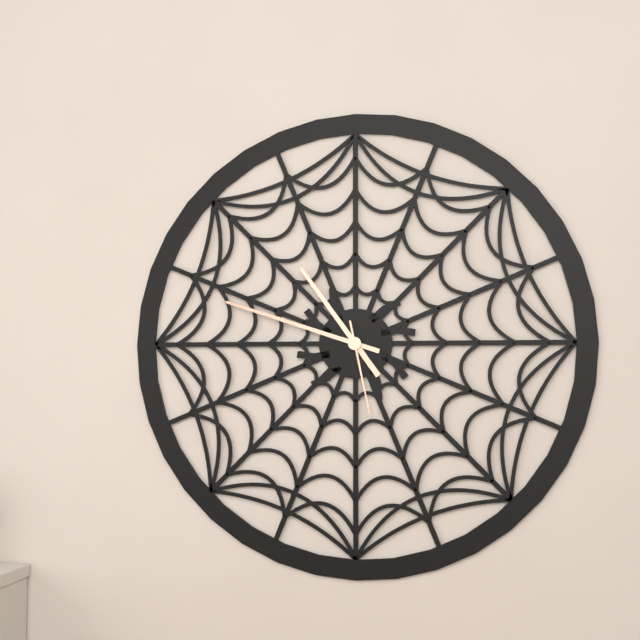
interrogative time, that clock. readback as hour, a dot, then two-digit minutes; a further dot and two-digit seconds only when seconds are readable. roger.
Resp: 10.48.28
